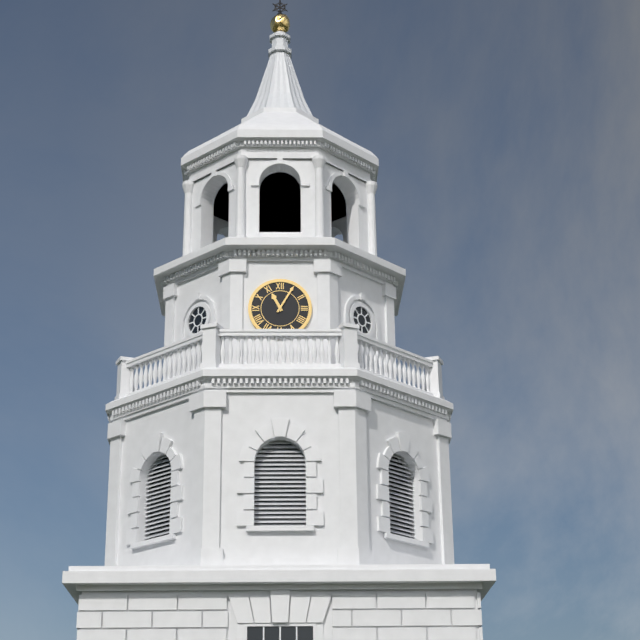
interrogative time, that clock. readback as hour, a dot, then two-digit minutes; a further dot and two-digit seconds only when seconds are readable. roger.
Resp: 11.05
